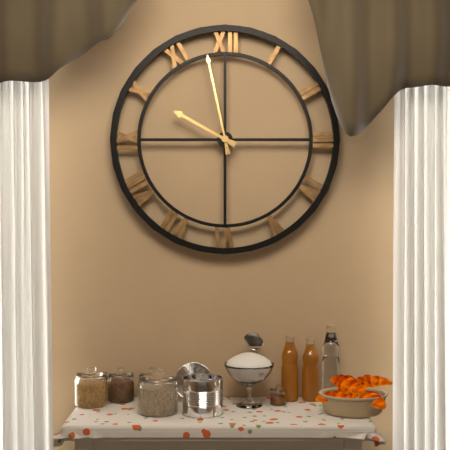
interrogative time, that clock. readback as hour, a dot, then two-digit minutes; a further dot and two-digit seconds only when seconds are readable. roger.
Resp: 9.58
